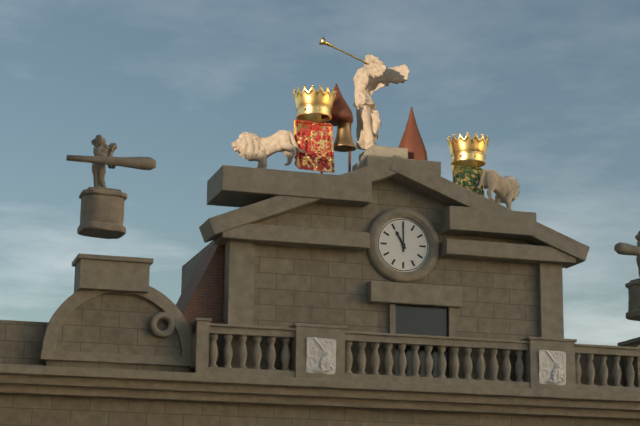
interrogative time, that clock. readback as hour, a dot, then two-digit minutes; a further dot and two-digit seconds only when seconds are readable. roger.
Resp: 11.00
